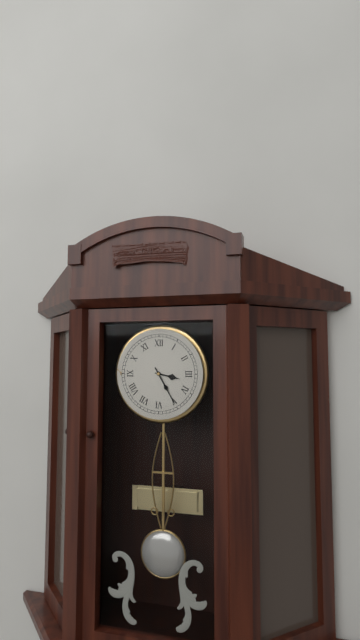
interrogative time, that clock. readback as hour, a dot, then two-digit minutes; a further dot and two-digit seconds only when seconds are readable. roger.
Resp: 3.25
